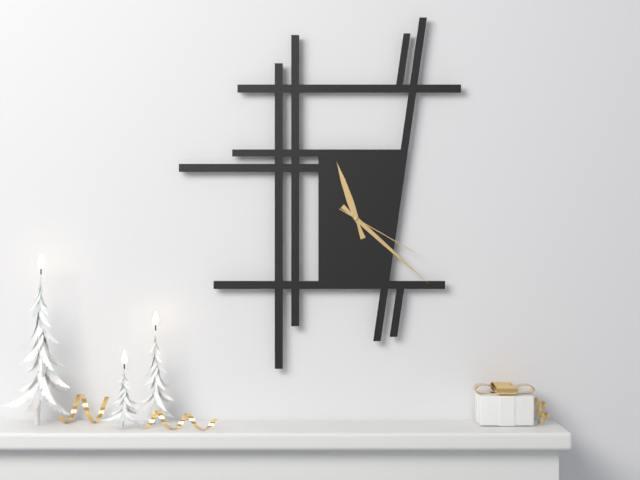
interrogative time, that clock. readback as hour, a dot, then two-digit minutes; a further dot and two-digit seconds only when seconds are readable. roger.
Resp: 11.22.20
